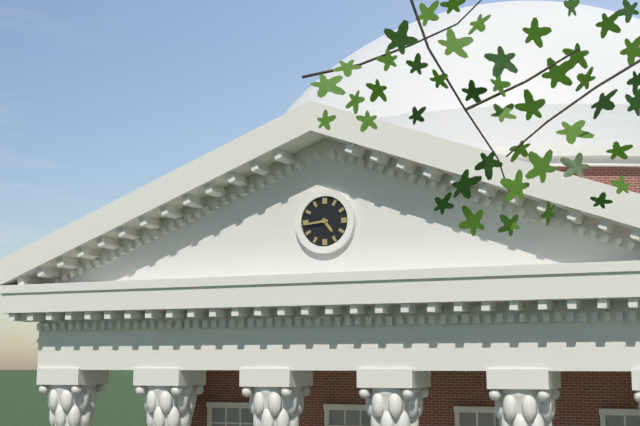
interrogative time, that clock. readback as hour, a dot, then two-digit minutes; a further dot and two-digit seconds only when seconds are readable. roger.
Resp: 4.44
